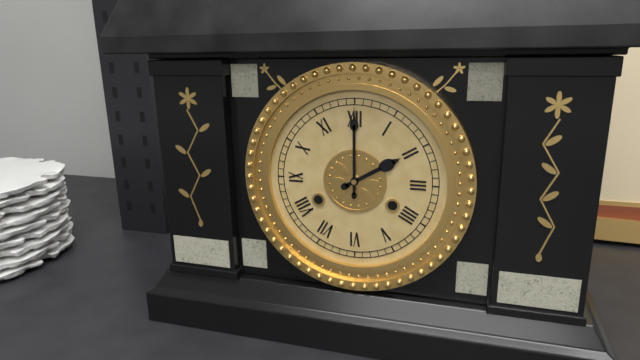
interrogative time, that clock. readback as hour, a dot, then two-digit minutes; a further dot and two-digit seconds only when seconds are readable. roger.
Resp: 2.00
